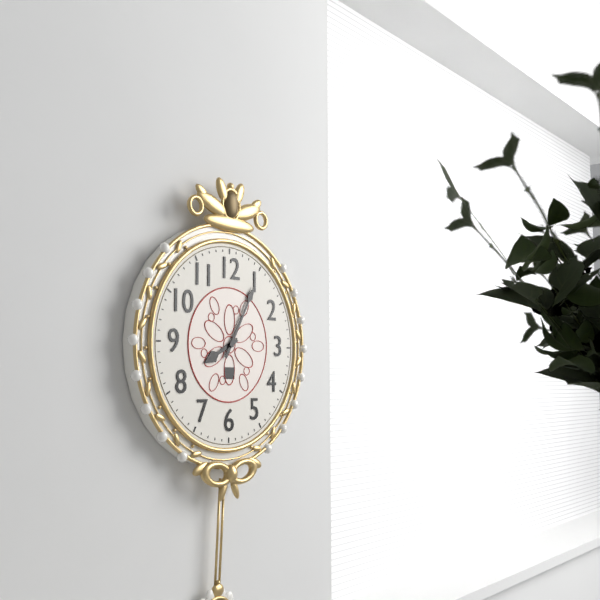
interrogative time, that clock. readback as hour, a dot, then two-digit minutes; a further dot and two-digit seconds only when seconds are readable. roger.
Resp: 8.05
